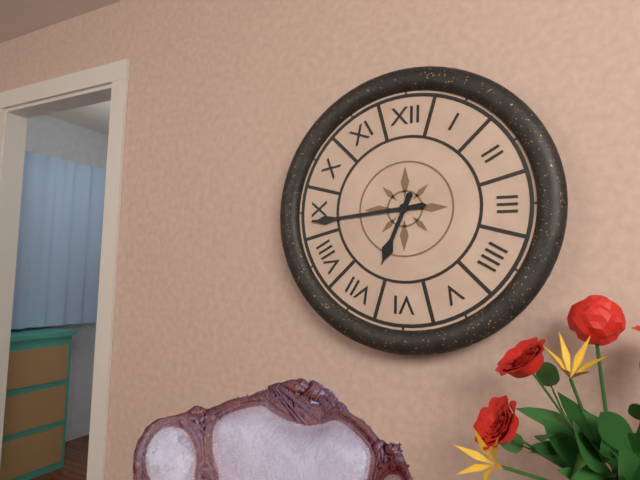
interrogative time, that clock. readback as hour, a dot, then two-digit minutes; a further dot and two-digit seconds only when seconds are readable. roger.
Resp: 6.44
